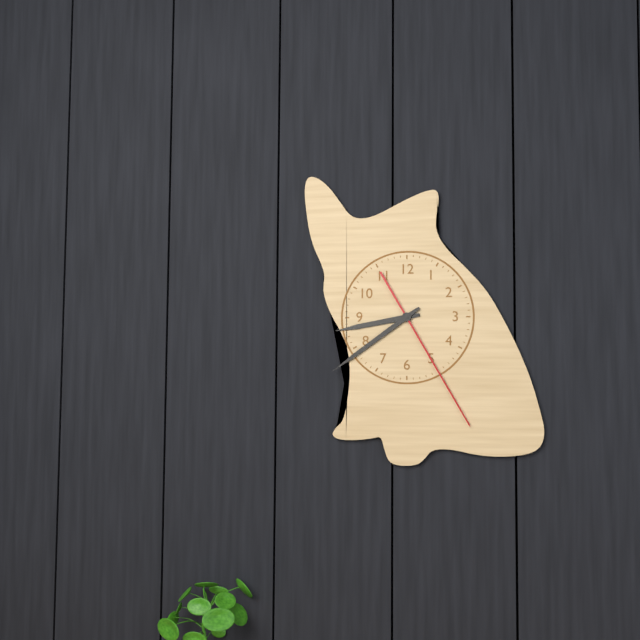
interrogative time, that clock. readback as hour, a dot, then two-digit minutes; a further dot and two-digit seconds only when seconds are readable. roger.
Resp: 8.39.25
